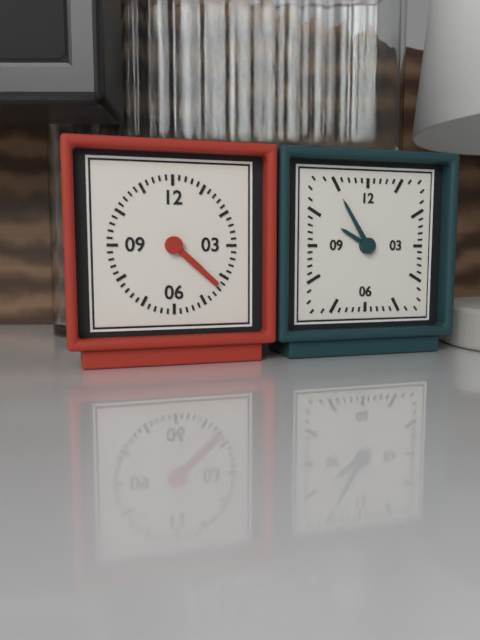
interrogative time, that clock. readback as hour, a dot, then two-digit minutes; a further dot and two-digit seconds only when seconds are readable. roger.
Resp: 4.22
